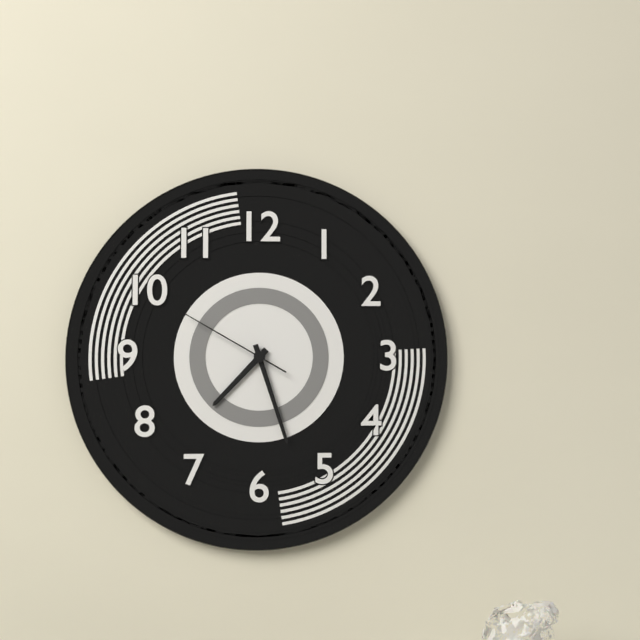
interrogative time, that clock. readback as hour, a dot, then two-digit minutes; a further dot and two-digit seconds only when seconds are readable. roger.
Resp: 7.27.50
